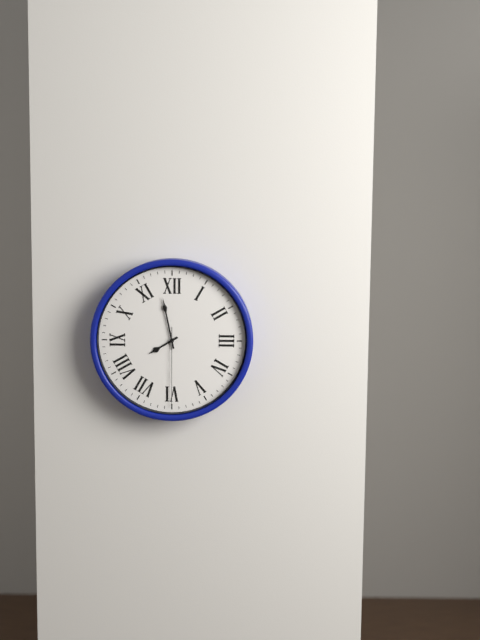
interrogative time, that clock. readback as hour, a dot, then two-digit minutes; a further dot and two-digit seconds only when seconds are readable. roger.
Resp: 7.58.30
